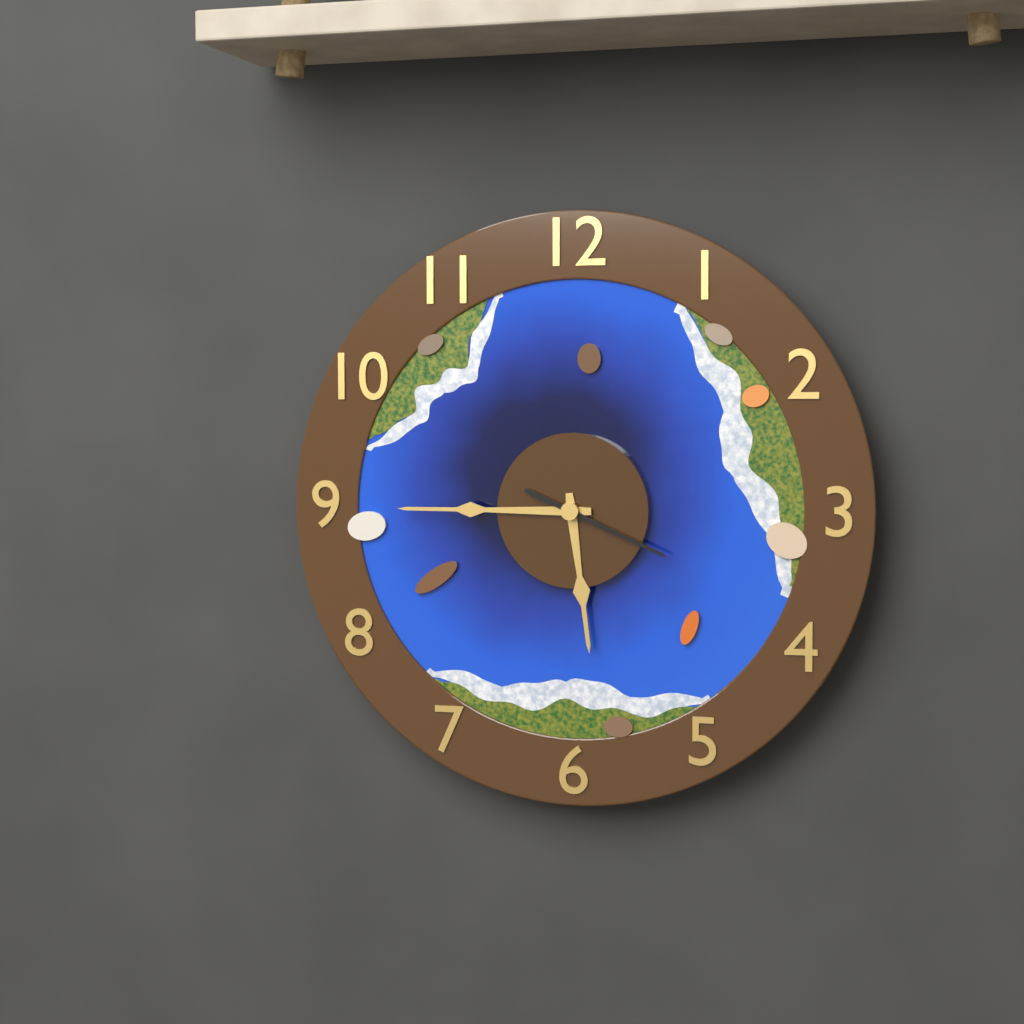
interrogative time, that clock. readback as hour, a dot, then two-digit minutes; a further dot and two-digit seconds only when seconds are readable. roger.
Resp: 5.45.19
